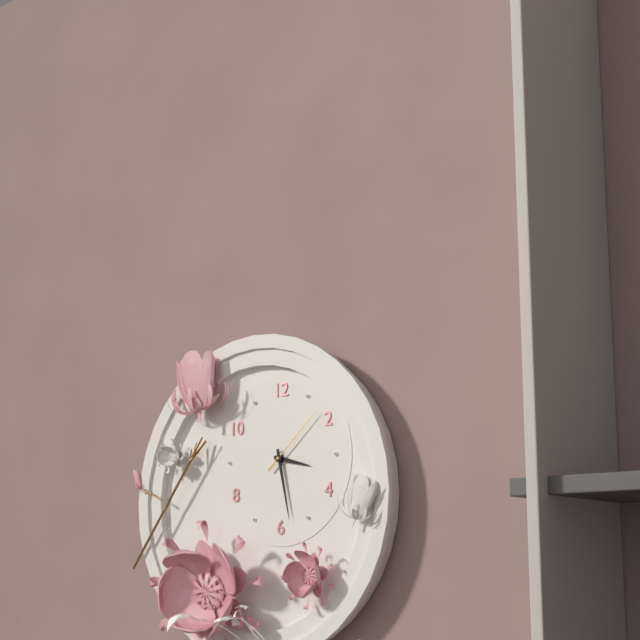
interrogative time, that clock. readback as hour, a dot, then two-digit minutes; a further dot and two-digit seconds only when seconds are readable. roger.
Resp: 3.28.08
